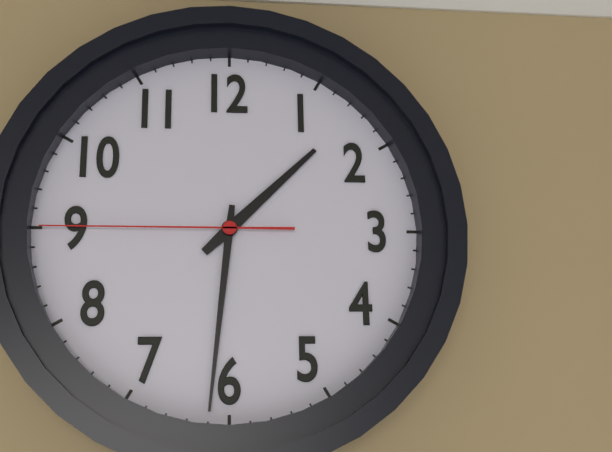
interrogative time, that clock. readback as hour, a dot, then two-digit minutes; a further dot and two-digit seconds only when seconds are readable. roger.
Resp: 1.31.45
